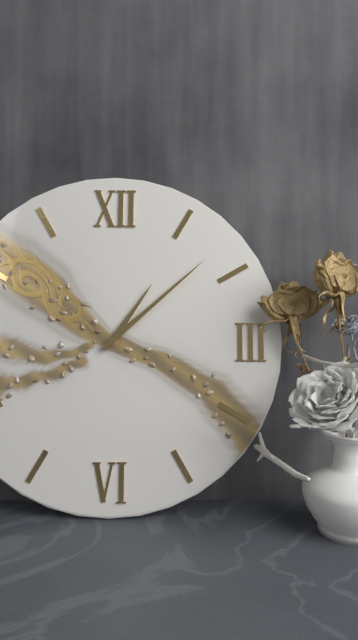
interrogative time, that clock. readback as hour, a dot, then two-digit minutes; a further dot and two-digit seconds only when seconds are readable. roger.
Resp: 1.08
